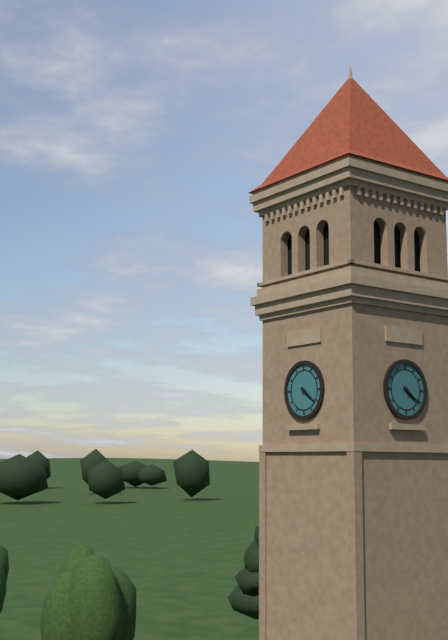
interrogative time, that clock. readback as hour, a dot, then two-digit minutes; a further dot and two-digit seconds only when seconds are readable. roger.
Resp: 4.21
